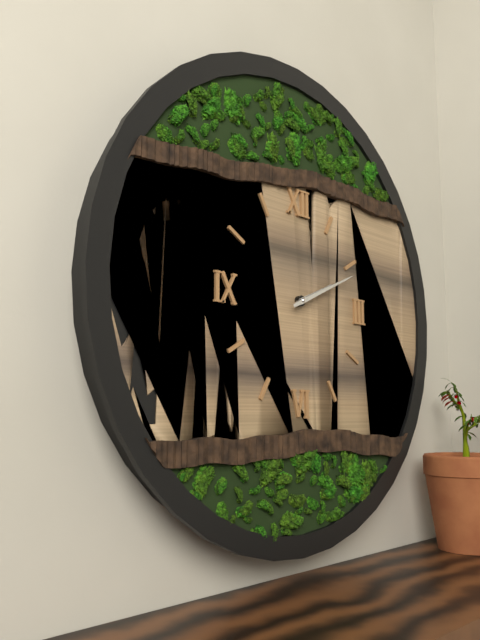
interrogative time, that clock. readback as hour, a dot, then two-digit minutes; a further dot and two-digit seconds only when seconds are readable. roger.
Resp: 2.11
